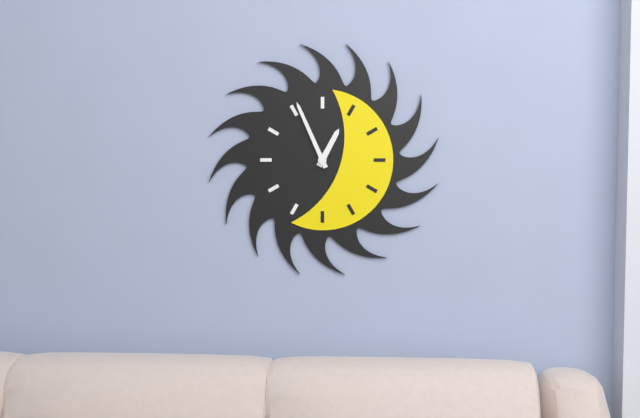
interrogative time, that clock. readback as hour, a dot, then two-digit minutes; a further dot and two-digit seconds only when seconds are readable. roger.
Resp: 12.56
